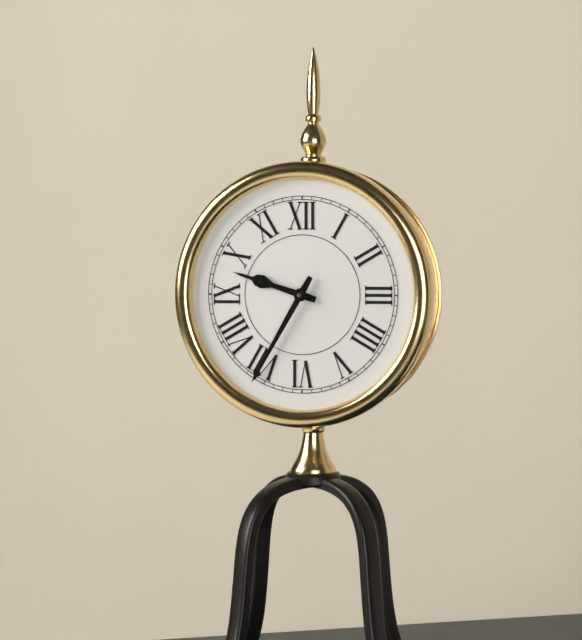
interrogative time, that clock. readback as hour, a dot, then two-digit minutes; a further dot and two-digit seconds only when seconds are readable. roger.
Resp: 9.35
